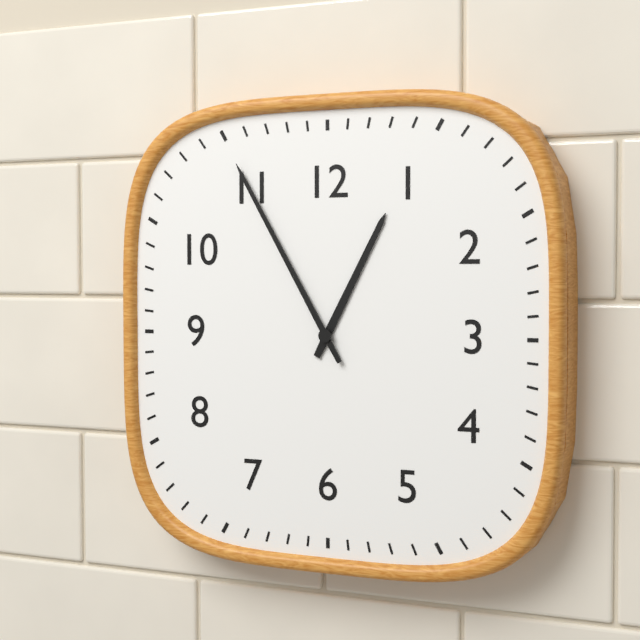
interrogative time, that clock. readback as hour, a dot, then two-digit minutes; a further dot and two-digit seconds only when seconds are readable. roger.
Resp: 12.55
